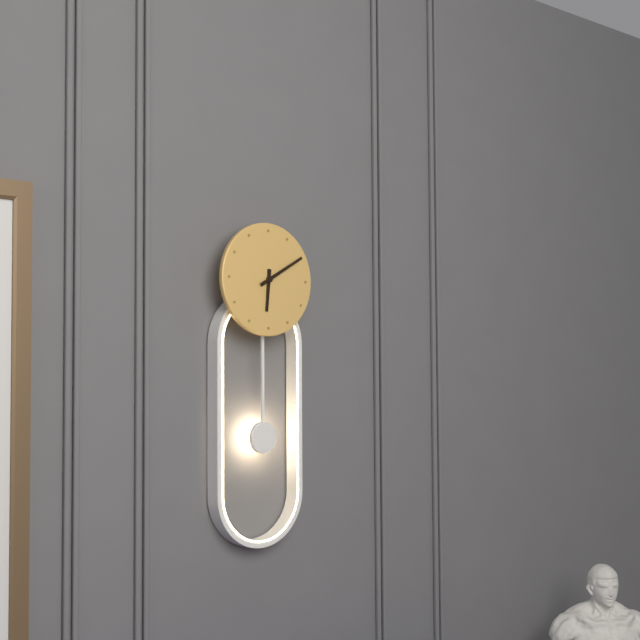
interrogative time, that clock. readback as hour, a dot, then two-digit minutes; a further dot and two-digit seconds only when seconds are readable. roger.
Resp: 6.10
